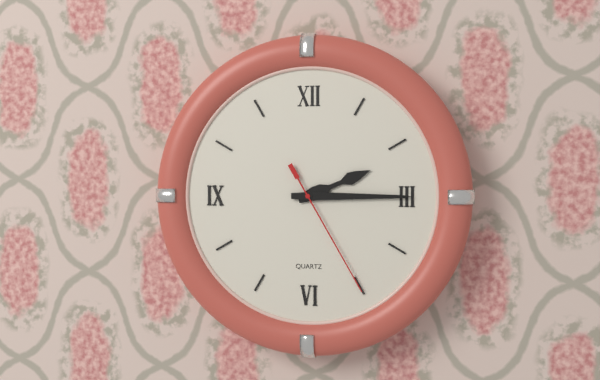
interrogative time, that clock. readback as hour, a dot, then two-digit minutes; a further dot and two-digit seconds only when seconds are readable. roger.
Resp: 2.15.25
